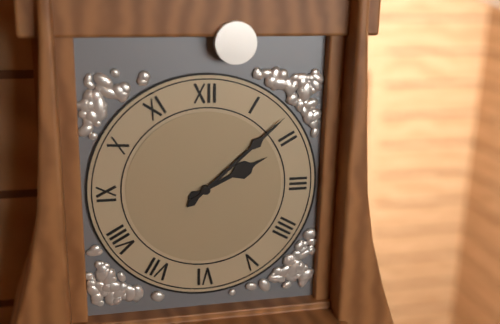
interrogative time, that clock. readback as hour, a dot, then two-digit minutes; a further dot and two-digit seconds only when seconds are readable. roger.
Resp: 2.08
